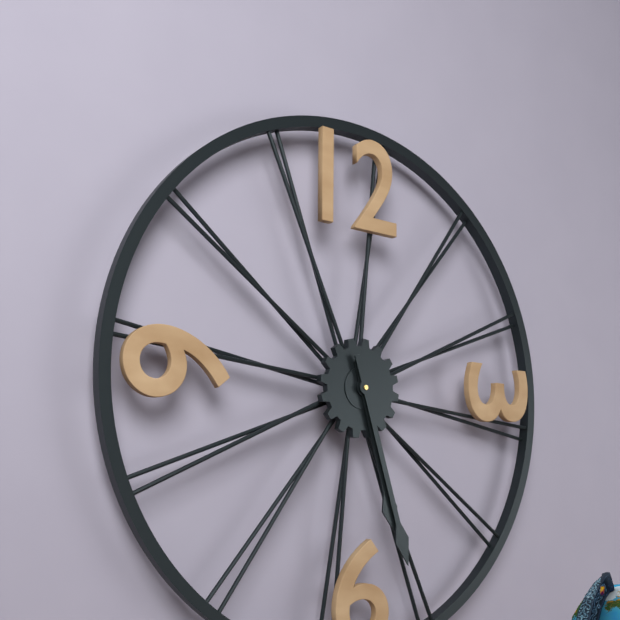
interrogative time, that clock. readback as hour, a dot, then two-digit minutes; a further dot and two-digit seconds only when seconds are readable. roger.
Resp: 5.27
